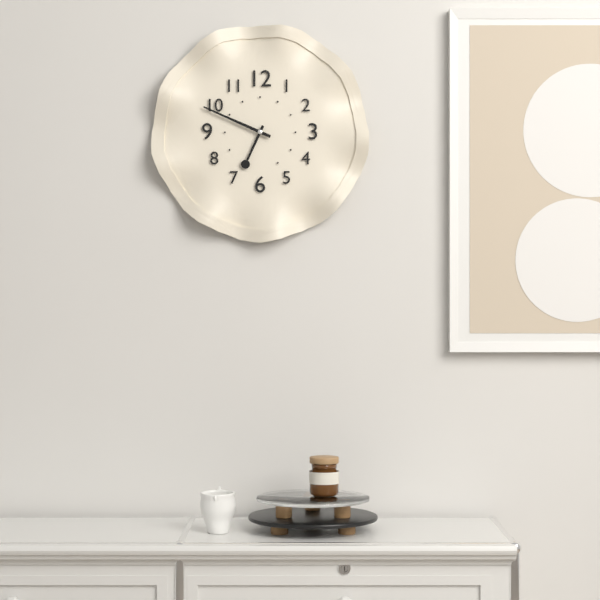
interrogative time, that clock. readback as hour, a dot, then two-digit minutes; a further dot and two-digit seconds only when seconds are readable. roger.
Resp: 6.49
